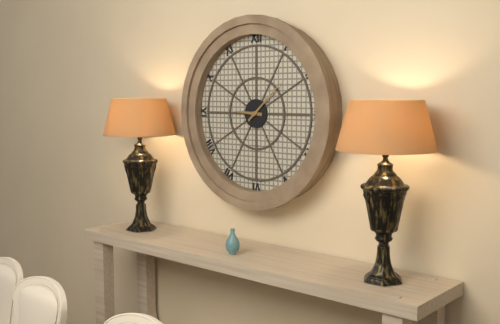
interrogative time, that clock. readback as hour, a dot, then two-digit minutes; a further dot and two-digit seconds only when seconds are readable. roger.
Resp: 9.08
